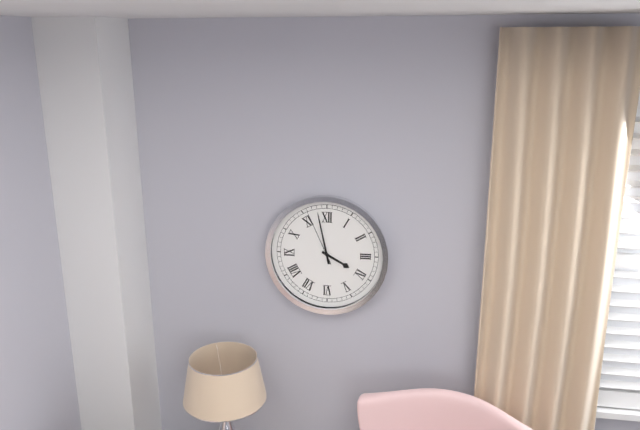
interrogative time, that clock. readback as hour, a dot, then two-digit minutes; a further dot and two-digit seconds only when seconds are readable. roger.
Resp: 3.58.56
